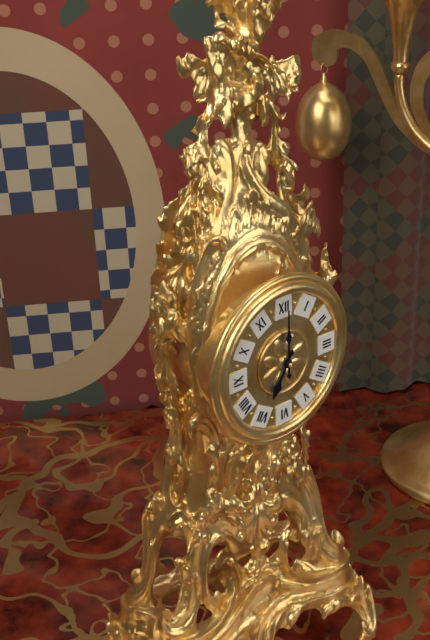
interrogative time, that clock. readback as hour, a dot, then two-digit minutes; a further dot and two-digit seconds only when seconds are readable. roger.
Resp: 7.00
